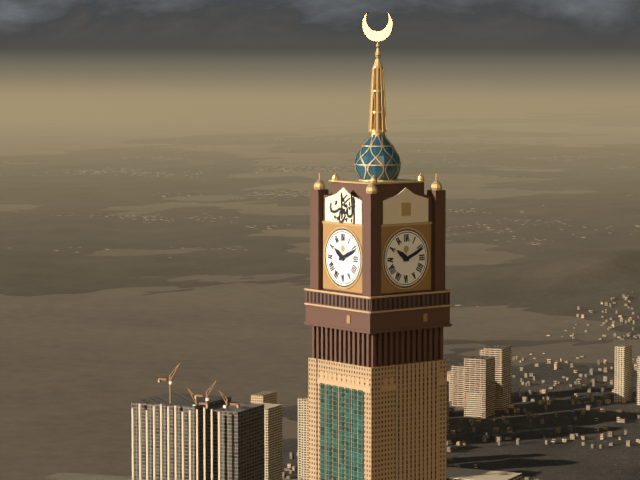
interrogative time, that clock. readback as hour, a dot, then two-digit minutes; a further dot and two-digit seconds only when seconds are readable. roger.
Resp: 10.11
